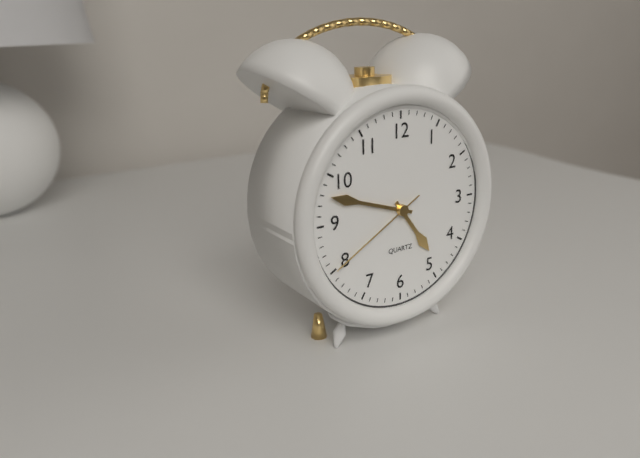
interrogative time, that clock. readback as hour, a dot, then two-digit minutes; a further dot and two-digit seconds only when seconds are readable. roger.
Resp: 4.48.40
